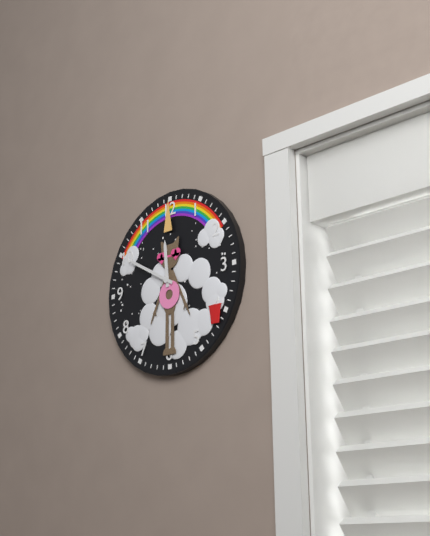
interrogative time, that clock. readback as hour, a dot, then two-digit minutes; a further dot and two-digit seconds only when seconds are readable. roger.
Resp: 11.50
